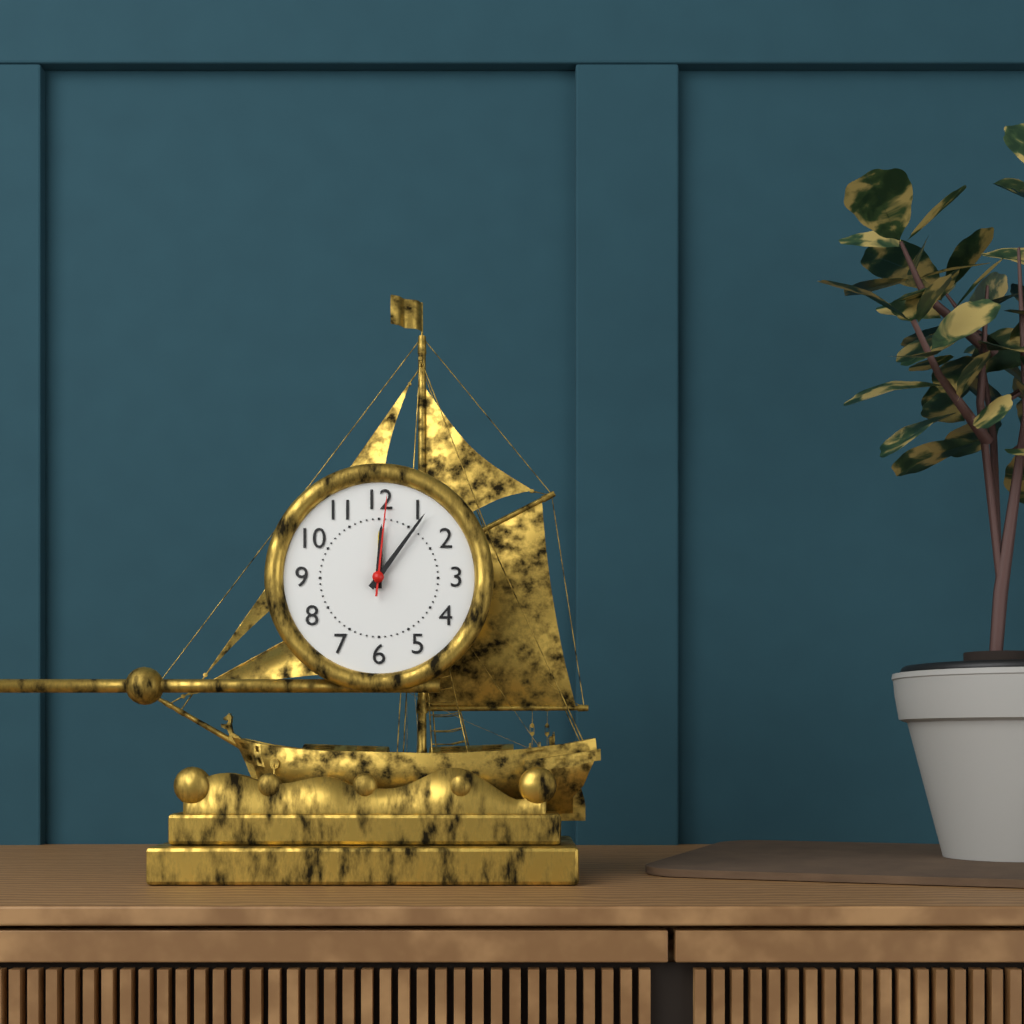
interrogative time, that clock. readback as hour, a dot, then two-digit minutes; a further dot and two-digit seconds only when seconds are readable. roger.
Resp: 12.06.01
